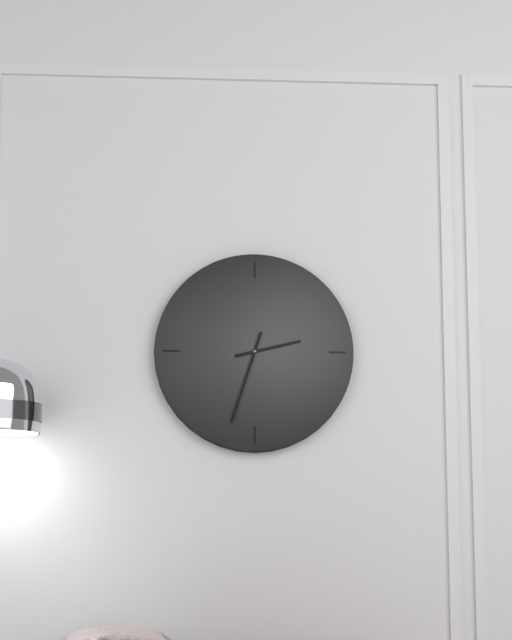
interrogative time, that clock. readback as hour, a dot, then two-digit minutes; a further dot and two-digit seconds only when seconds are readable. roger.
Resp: 2.33
